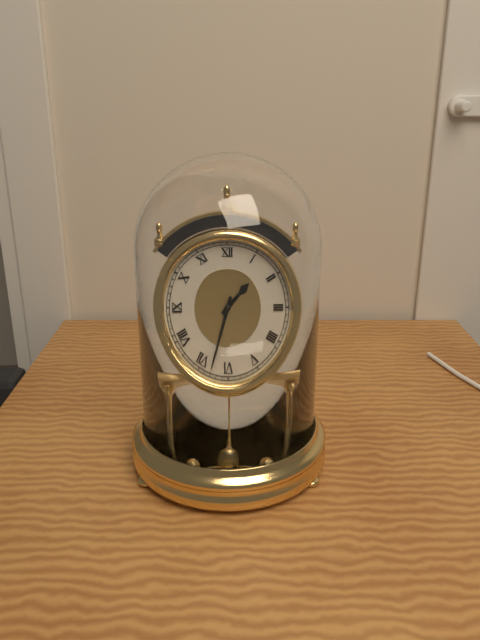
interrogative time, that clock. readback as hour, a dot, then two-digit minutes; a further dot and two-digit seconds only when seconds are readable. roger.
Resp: 1.33
